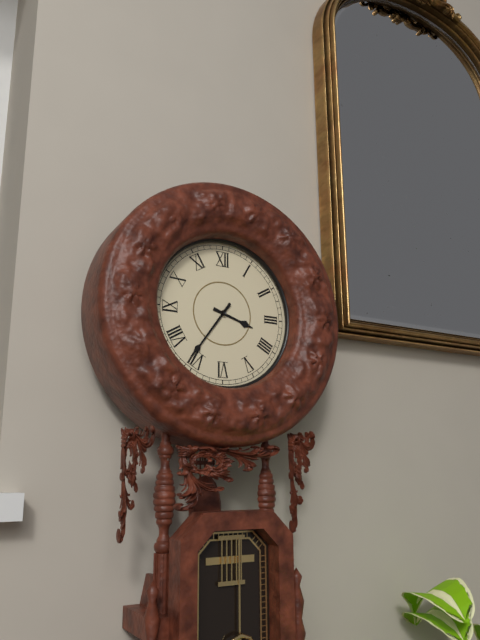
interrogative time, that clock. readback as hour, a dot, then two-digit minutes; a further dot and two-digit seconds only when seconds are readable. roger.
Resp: 3.36
